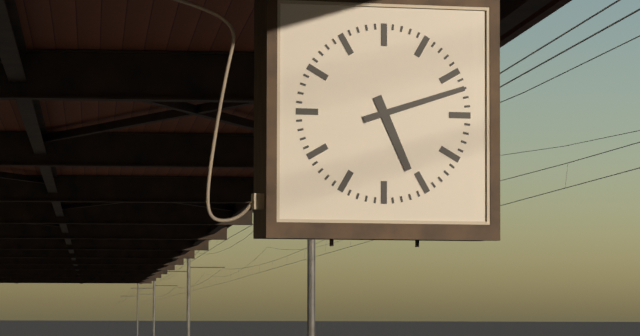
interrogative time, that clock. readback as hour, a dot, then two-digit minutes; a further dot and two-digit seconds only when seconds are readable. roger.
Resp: 5.12
